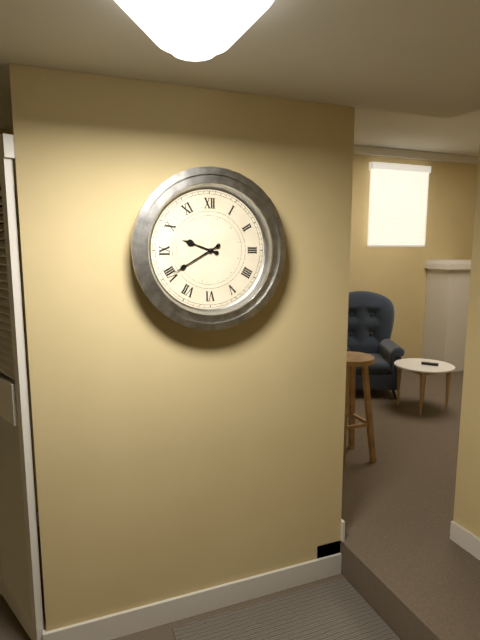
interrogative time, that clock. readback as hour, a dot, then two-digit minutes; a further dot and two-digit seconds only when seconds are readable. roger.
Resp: 9.40
